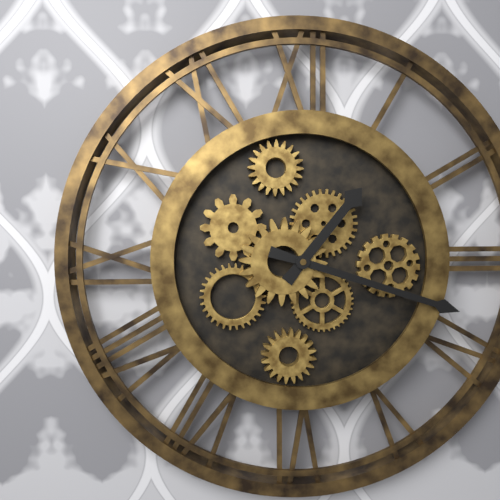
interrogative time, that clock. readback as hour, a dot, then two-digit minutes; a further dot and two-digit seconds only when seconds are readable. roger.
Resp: 1.18
